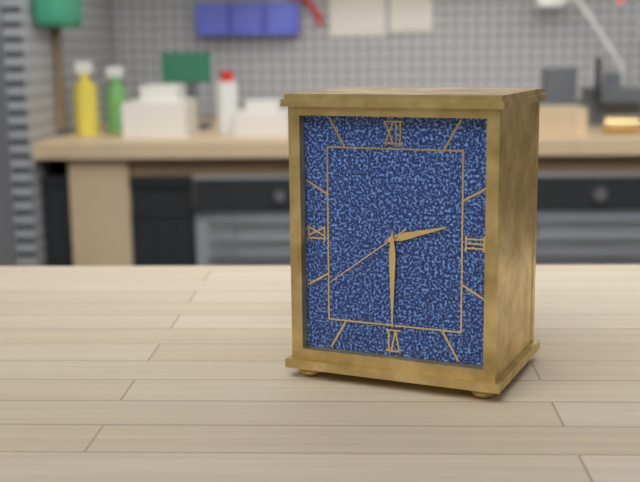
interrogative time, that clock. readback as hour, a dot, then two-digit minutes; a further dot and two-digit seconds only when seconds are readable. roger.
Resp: 2.30.39
